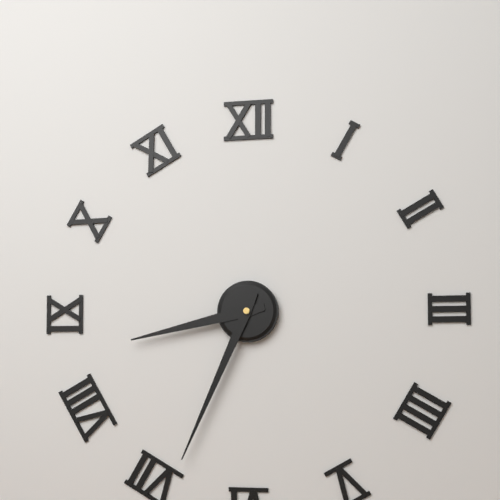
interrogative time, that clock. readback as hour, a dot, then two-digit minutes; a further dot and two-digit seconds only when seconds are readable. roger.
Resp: 8.34
